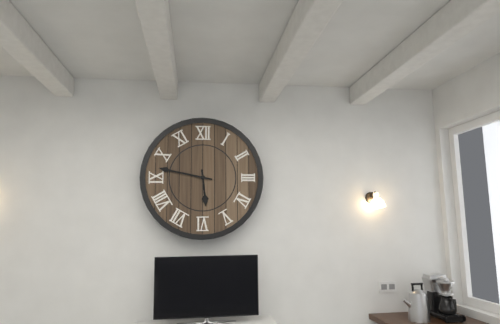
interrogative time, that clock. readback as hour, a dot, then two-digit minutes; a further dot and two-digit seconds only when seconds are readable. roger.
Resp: 5.47
